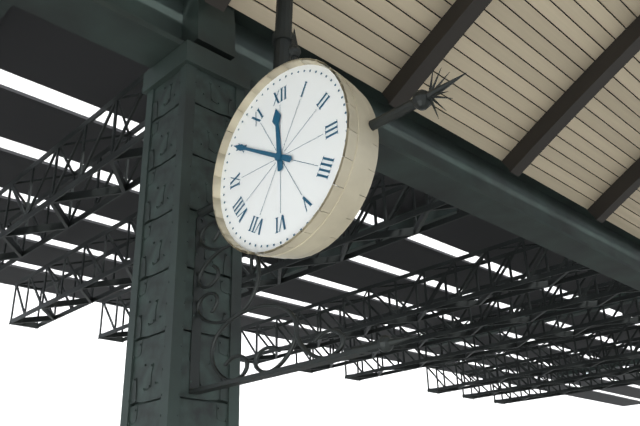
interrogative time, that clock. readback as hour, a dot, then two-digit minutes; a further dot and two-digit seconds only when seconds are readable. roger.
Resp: 11.50
